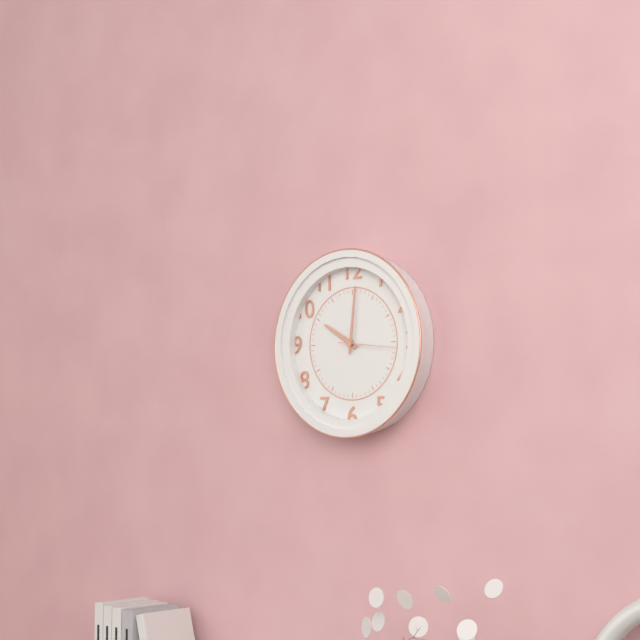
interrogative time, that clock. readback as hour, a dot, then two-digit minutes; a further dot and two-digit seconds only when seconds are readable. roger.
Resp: 10.01.16
